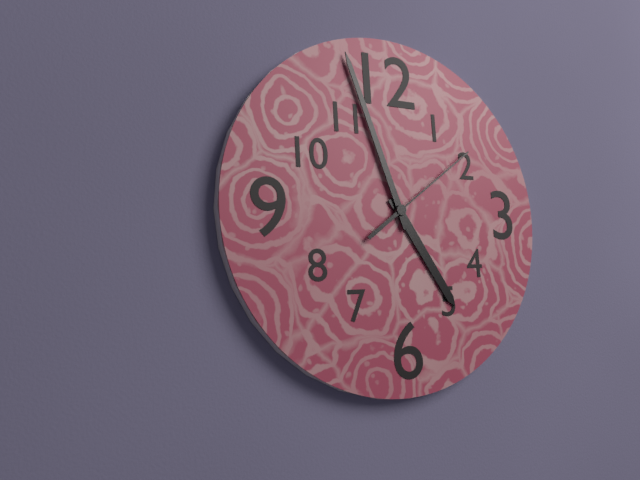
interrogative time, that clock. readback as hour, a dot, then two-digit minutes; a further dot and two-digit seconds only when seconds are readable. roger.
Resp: 4.57.09
